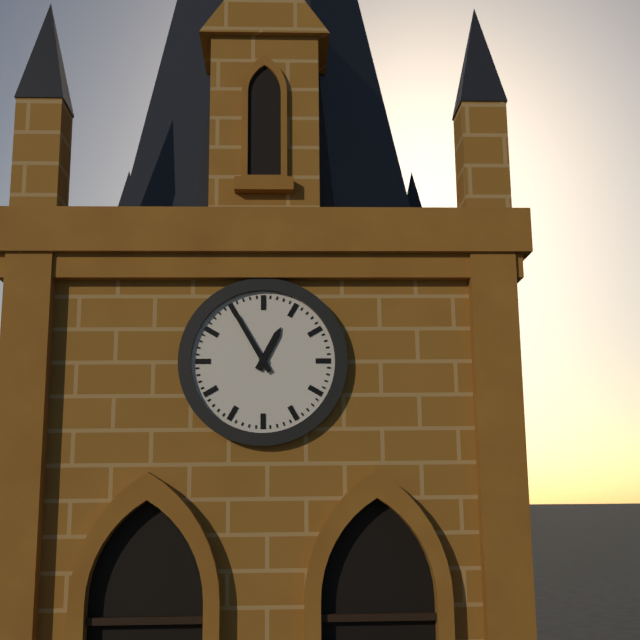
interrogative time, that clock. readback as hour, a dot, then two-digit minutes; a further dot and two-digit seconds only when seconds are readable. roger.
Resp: 12.55
